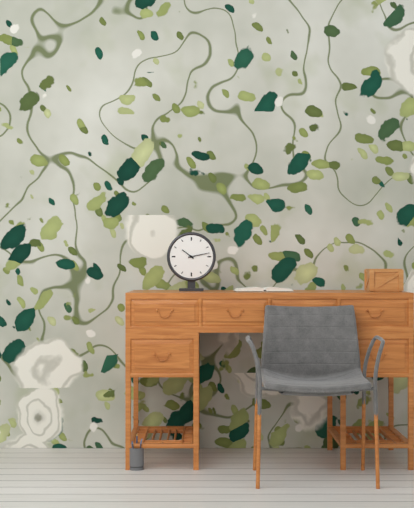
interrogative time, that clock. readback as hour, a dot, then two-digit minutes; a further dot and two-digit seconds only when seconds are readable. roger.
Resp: 10.13
